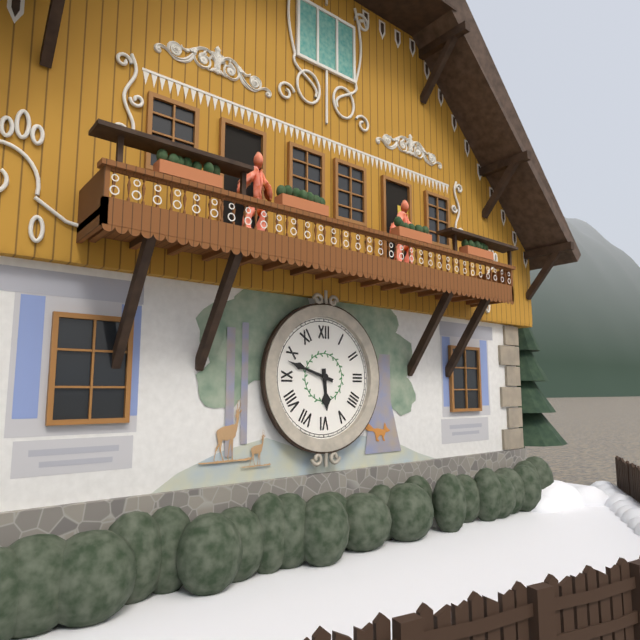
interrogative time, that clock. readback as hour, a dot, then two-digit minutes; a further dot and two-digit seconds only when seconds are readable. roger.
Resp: 5.48
